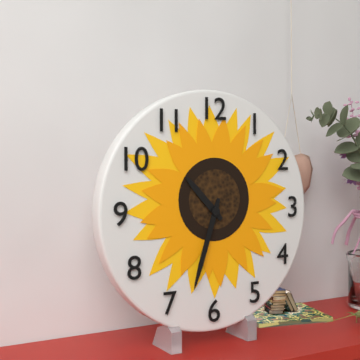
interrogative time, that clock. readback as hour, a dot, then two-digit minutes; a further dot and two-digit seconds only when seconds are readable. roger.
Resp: 10.33
